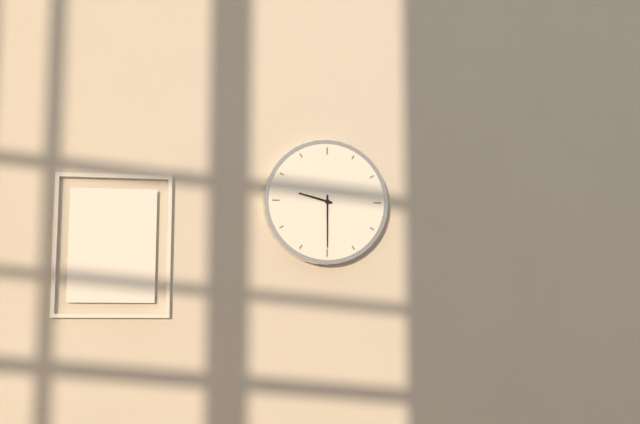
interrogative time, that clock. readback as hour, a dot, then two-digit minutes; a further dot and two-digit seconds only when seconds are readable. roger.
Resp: 9.30
